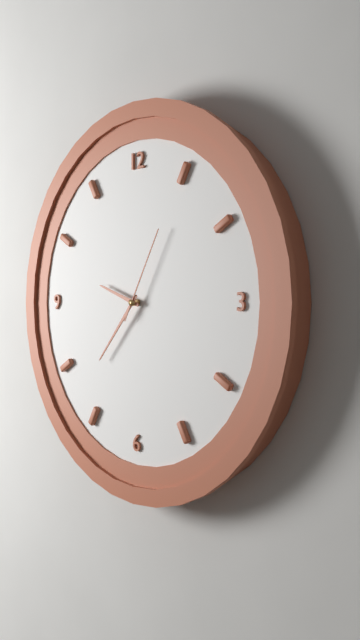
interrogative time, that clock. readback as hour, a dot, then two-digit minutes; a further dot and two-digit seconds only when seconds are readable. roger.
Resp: 9.37.05
